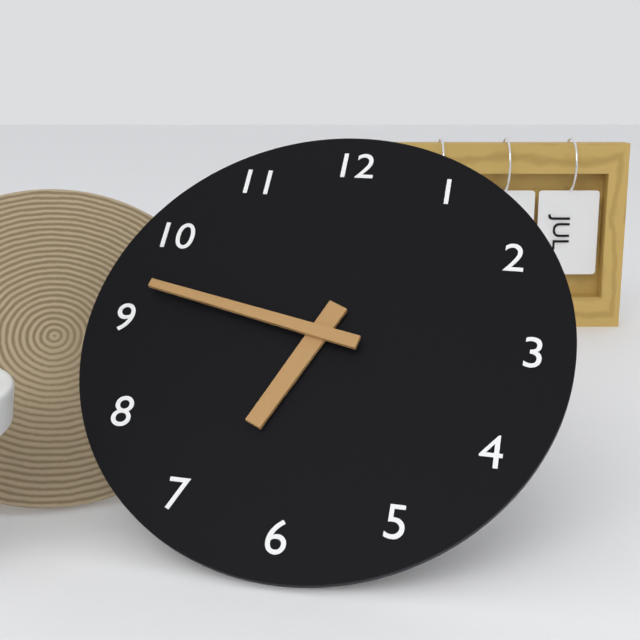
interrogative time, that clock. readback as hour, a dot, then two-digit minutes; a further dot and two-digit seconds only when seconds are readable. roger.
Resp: 6.47
